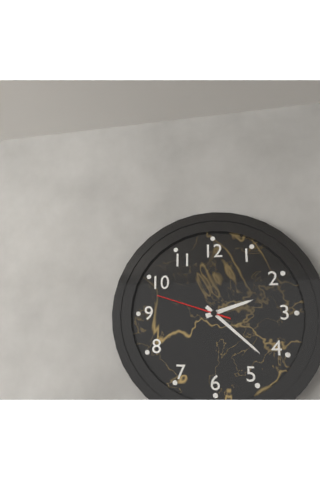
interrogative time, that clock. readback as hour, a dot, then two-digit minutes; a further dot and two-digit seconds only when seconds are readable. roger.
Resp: 2.22.48
